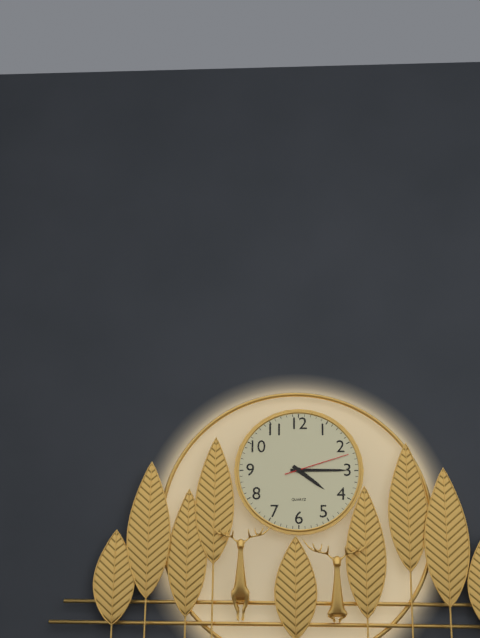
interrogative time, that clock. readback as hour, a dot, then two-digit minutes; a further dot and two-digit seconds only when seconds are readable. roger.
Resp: 4.15.12
